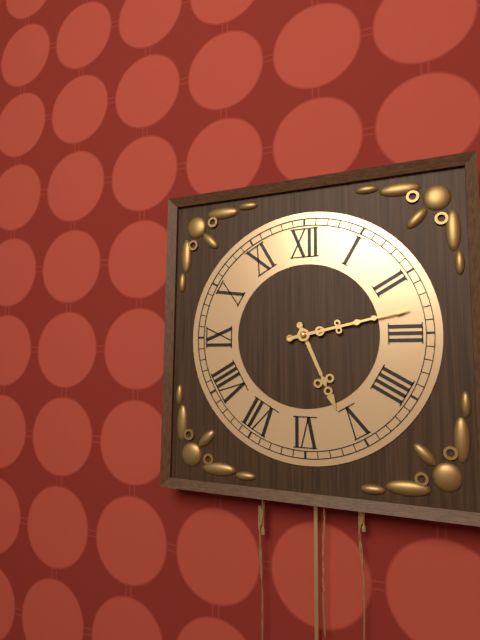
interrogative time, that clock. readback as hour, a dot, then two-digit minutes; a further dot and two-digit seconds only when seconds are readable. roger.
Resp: 5.13
